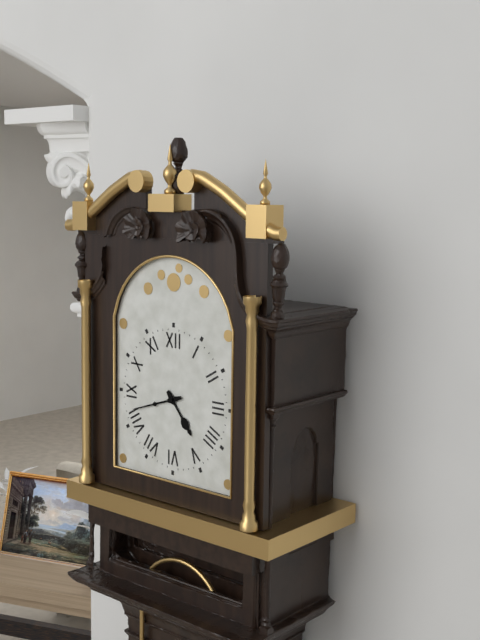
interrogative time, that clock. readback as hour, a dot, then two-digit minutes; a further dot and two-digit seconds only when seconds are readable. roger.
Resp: 4.42
